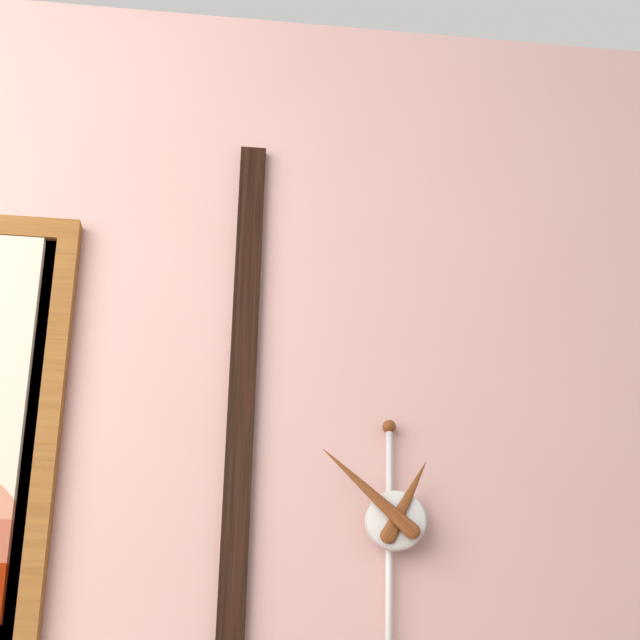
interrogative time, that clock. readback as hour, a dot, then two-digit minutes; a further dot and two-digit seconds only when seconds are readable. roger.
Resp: 12.52
